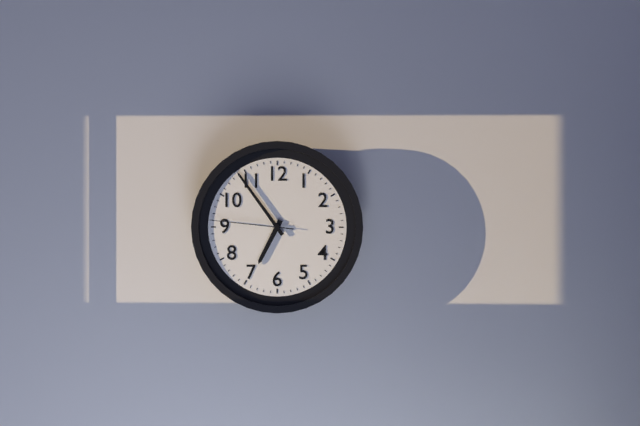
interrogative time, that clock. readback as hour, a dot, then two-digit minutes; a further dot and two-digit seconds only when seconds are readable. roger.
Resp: 6.54.46
